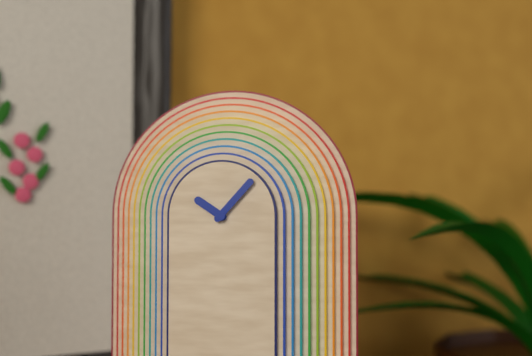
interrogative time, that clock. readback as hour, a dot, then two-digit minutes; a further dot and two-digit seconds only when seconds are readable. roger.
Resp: 10.07
